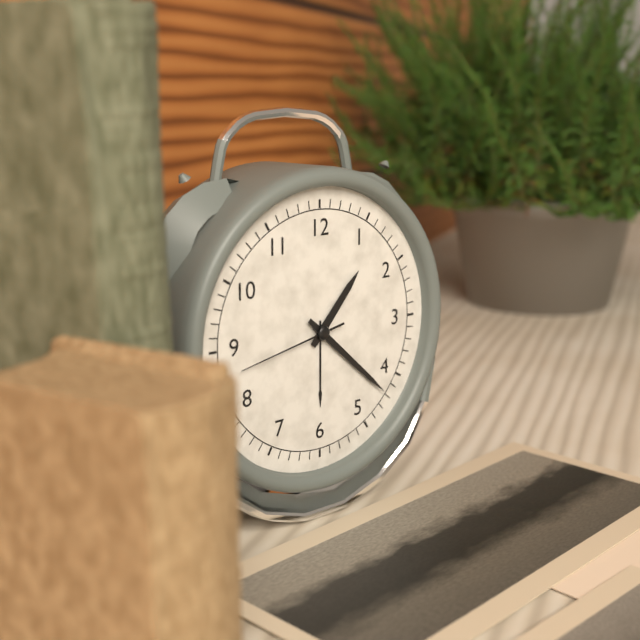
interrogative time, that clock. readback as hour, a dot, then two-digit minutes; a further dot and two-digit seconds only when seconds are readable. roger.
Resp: 1.22.43
